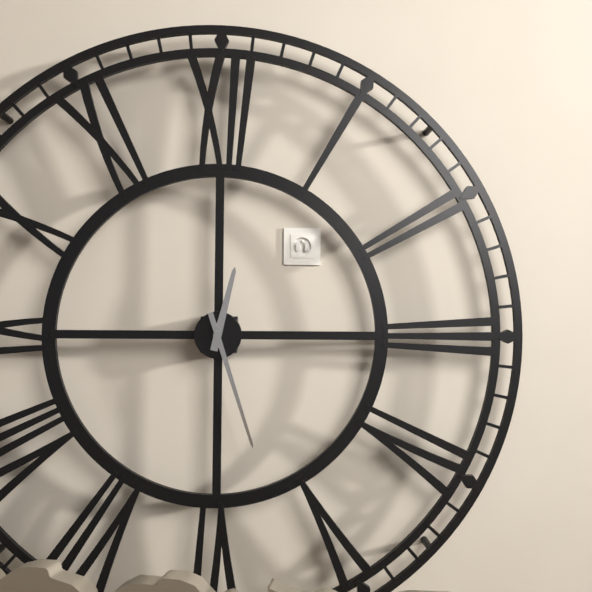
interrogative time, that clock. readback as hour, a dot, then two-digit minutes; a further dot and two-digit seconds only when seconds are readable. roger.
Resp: 12.27
